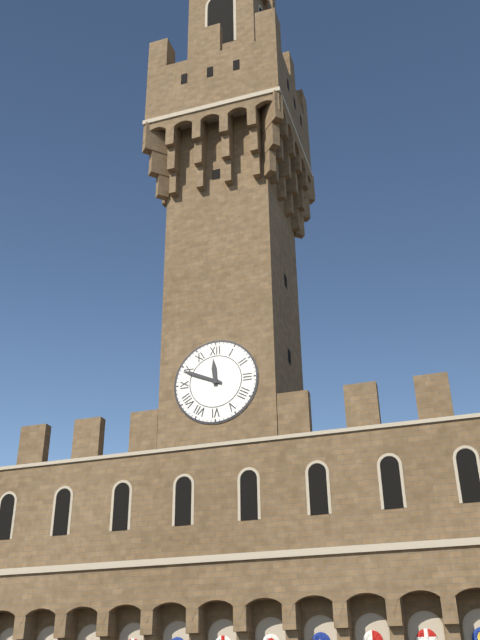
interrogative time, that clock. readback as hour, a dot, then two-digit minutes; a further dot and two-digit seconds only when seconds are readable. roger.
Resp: 11.49
